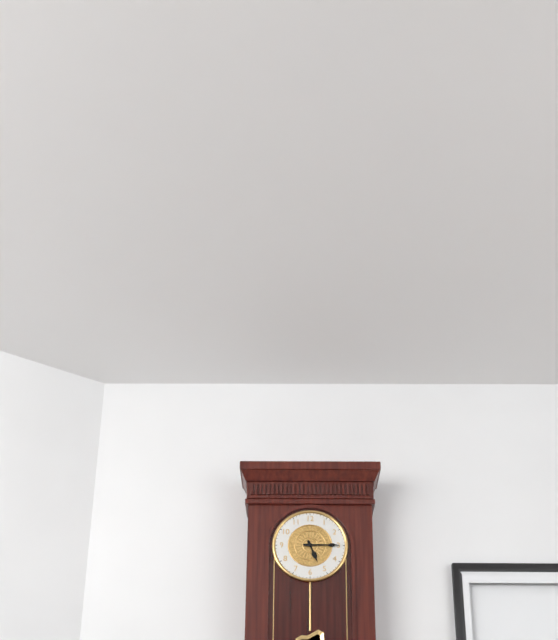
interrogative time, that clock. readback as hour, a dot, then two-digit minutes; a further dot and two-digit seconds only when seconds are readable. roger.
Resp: 5.15
